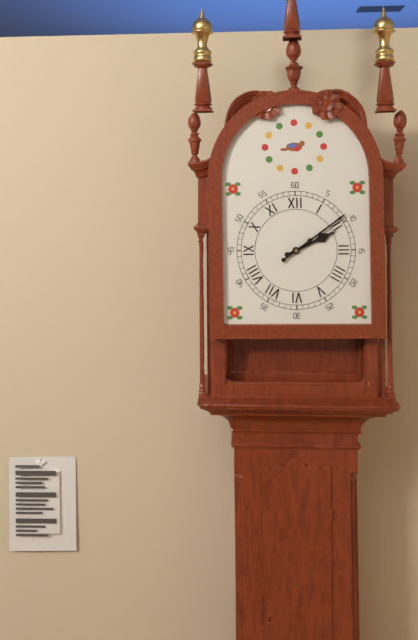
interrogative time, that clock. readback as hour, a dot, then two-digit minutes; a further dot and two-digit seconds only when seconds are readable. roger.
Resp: 2.09
